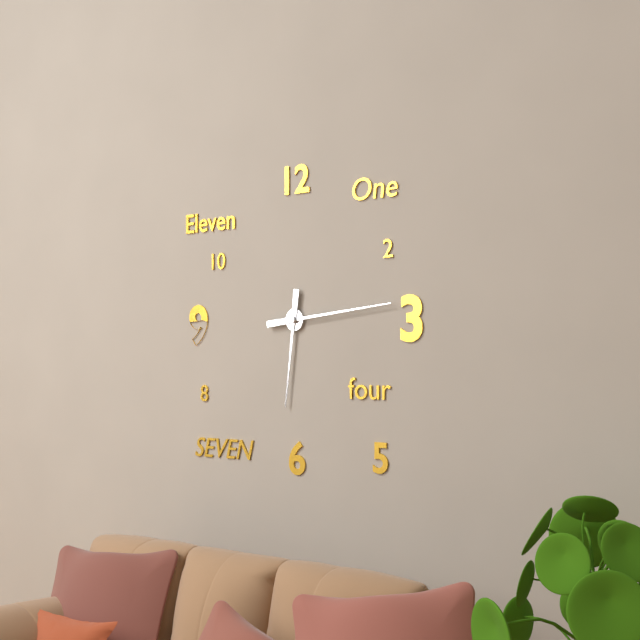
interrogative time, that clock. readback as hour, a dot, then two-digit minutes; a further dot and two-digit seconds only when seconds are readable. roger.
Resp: 6.14
